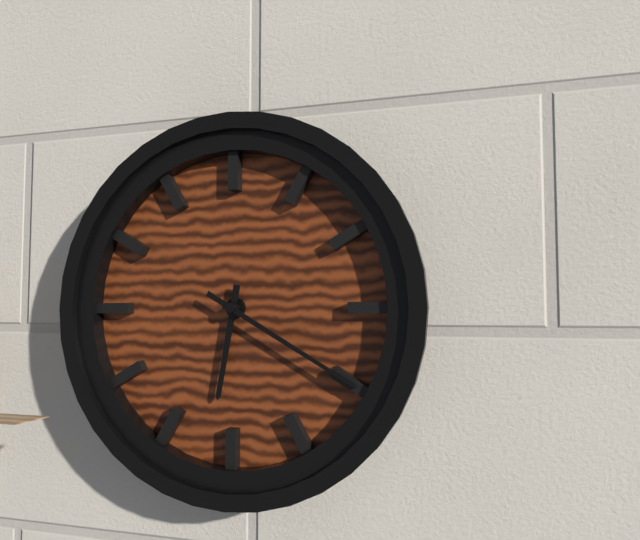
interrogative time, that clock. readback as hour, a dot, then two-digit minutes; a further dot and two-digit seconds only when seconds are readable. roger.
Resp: 6.20
